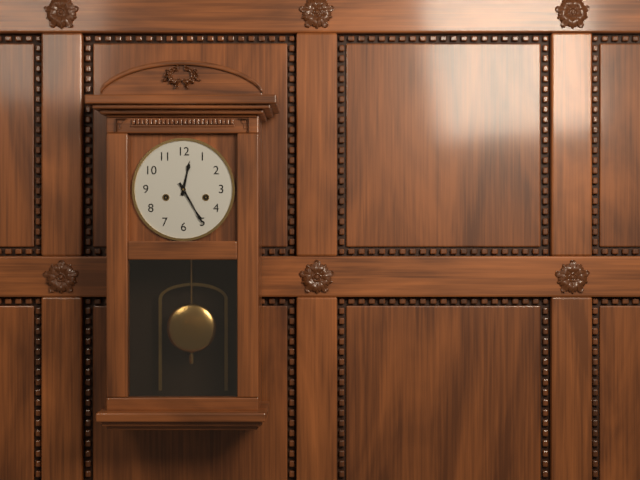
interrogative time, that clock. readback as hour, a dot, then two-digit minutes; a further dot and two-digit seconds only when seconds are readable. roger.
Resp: 12.25
